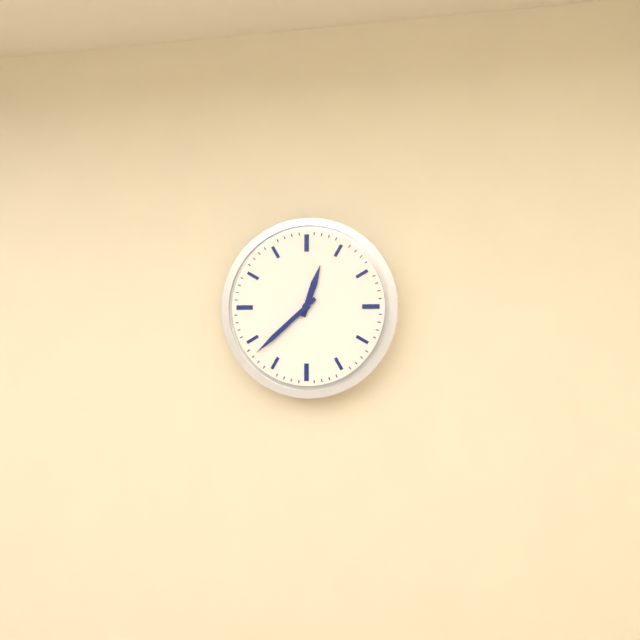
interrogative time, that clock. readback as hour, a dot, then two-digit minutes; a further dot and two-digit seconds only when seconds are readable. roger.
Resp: 12.38
